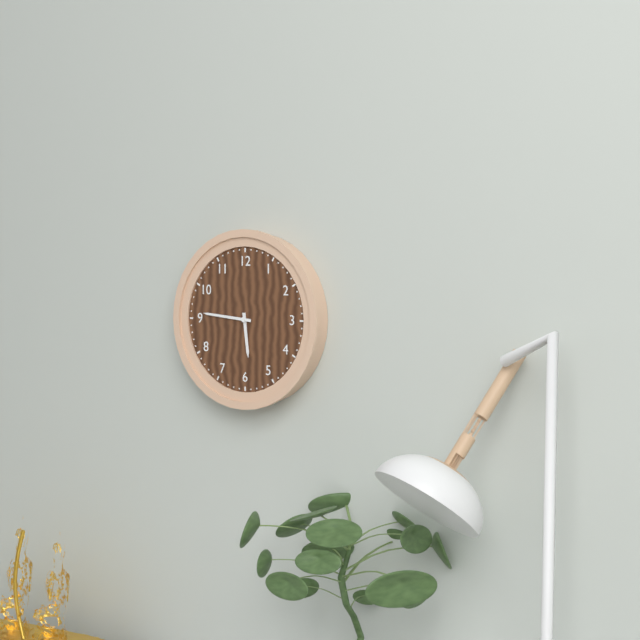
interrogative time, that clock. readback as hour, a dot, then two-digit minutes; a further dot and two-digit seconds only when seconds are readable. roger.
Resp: 5.46
